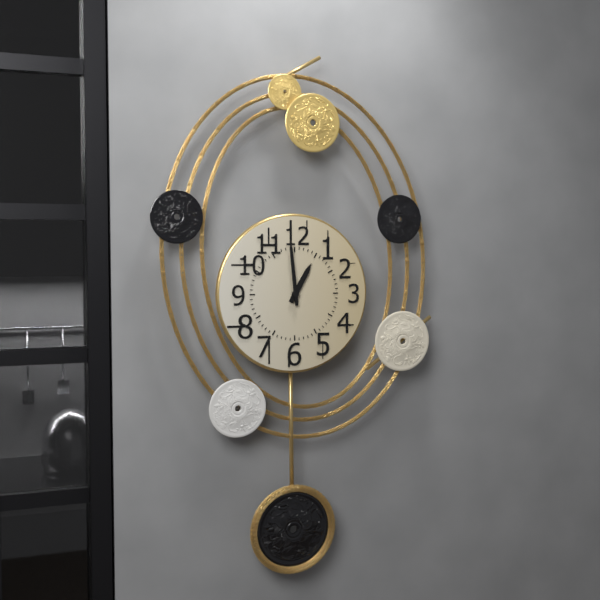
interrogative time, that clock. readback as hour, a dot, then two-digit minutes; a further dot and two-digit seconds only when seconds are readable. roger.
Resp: 12.59
